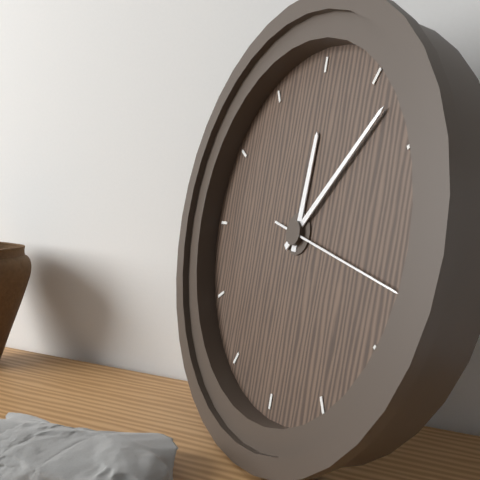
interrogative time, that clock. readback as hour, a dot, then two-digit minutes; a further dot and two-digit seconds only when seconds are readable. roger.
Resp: 12.07.17
